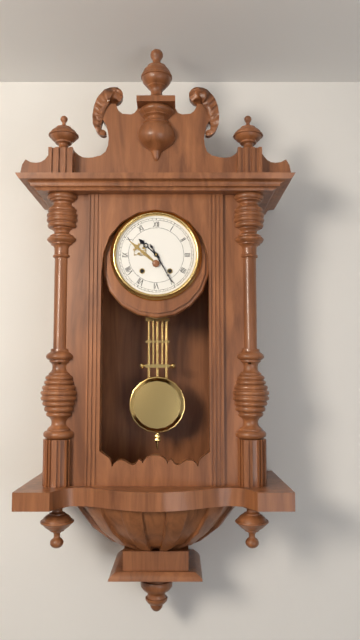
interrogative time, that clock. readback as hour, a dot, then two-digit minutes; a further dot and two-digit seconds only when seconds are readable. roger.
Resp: 10.25
